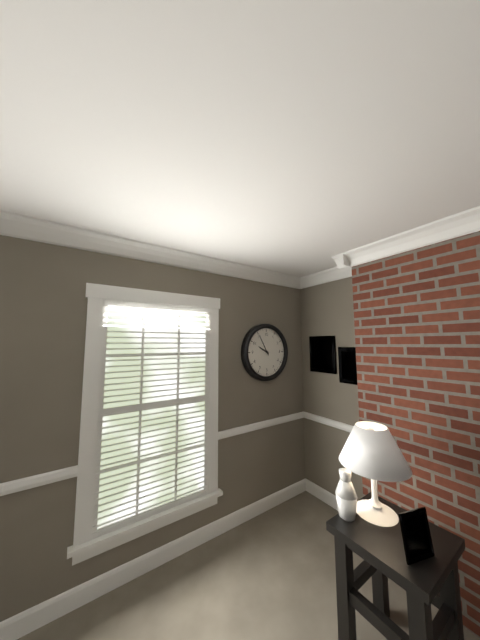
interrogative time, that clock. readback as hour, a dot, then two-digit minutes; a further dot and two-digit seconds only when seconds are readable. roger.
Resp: 9.55
